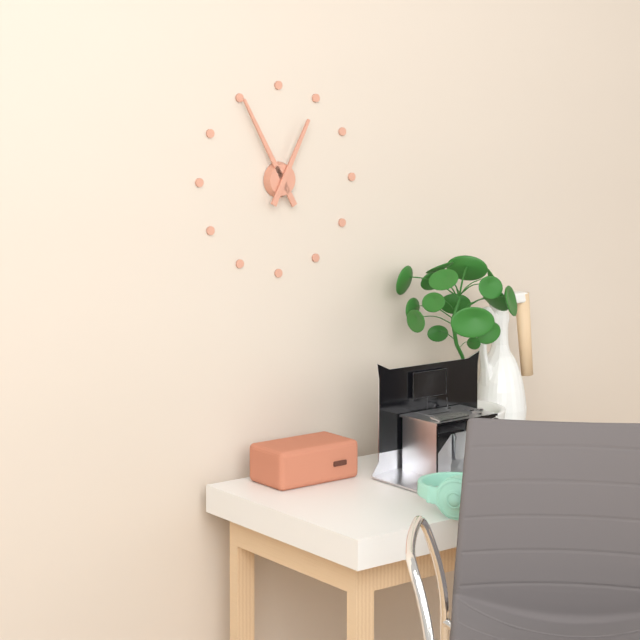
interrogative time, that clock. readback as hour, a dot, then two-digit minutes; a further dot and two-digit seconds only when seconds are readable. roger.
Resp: 12.55
